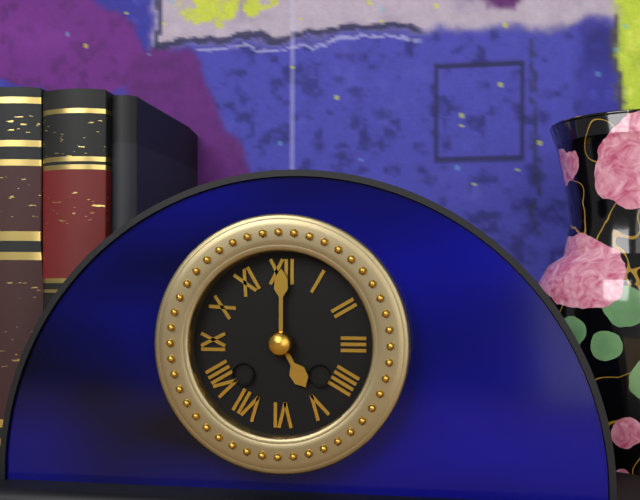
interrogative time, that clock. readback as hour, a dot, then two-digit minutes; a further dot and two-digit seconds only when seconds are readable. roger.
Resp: 5.00
